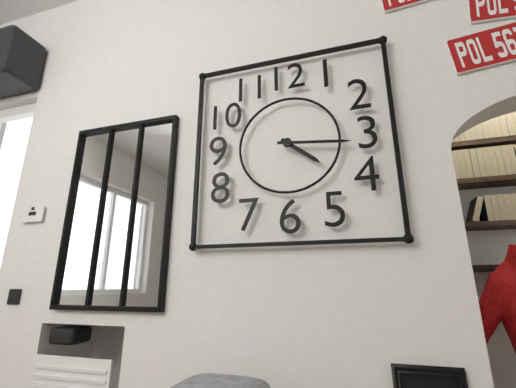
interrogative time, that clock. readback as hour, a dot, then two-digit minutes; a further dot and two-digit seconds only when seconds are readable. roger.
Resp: 4.16
